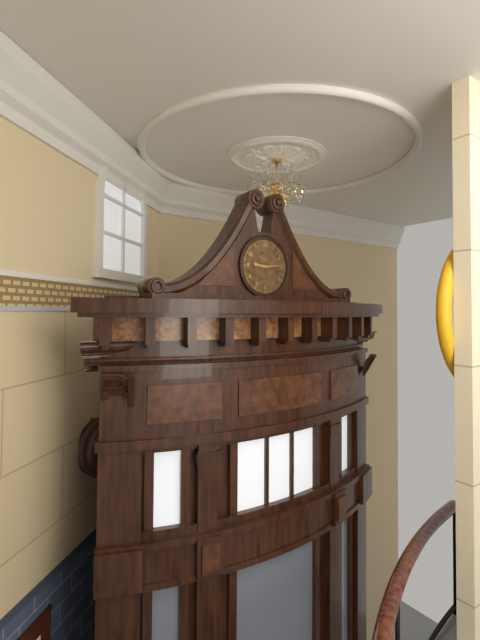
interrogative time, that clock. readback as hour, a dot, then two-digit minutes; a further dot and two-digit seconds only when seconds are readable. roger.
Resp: 9.14
